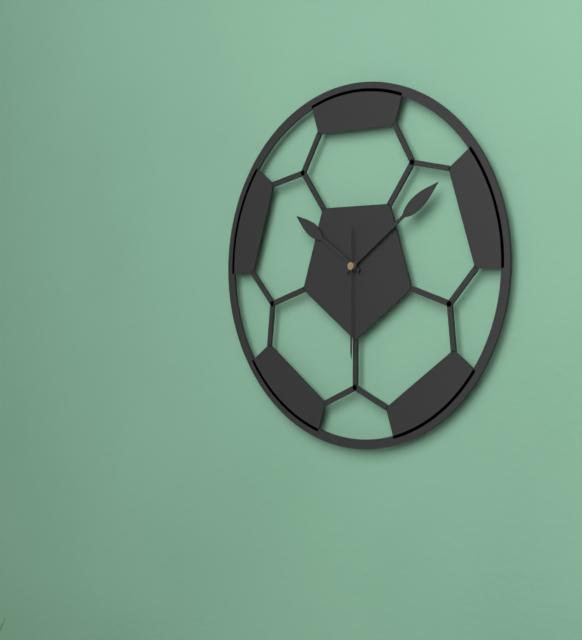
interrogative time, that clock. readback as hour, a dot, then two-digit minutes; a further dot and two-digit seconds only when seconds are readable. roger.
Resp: 10.09.30
